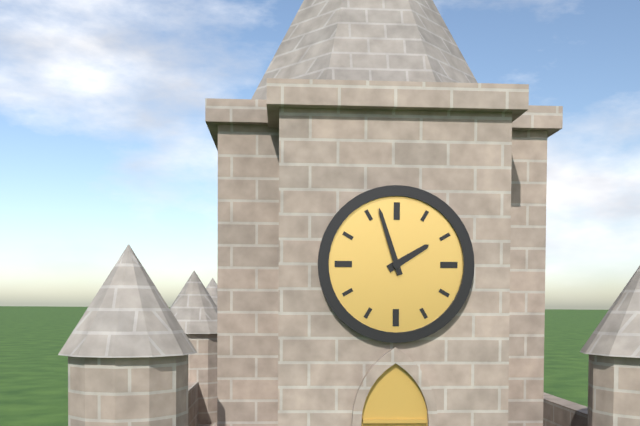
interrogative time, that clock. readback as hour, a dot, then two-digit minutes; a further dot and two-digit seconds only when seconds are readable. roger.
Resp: 1.57
